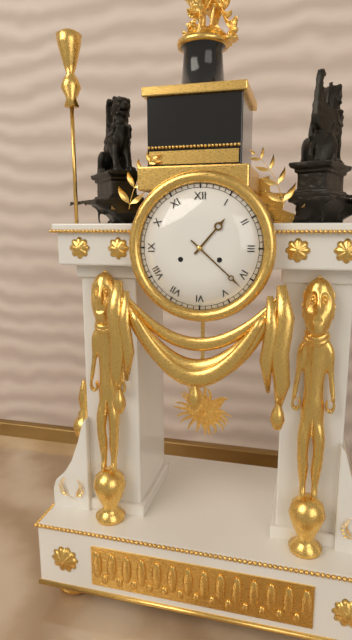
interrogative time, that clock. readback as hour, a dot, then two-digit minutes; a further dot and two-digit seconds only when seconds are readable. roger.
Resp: 1.22
